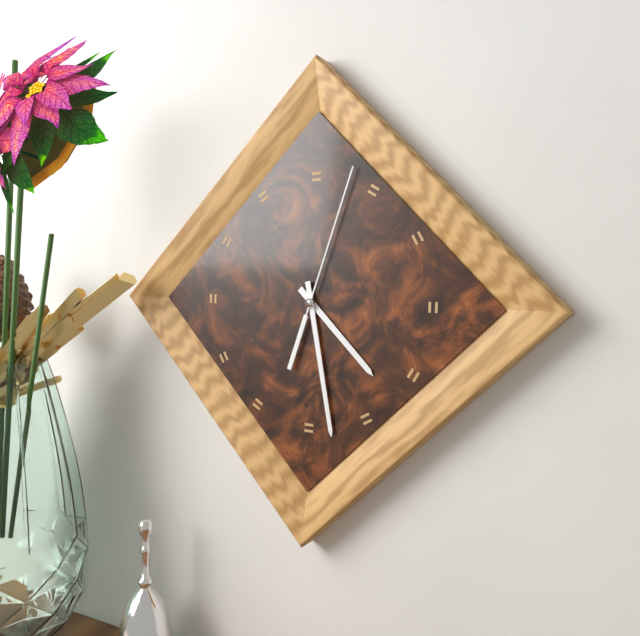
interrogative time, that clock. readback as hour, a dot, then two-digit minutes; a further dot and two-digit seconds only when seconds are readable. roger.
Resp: 4.28.03
